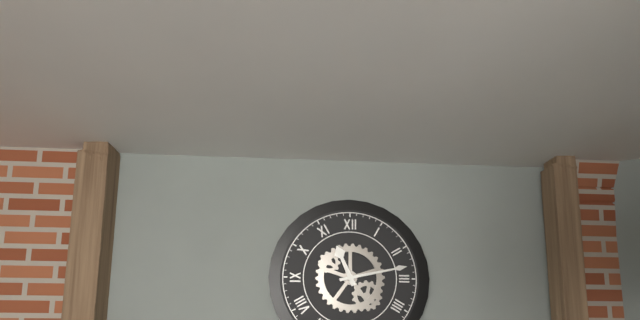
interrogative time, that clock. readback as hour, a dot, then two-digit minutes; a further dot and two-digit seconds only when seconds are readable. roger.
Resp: 11.13
